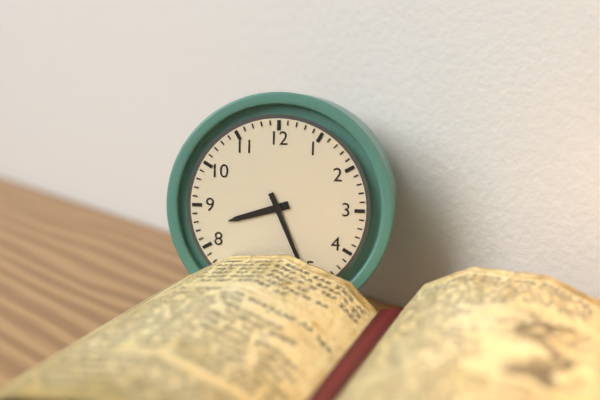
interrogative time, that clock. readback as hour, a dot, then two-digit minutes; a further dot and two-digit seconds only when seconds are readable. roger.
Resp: 8.26
